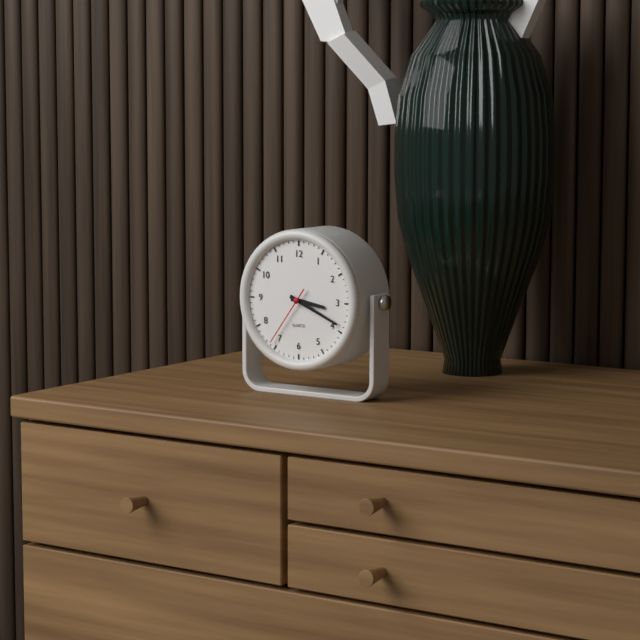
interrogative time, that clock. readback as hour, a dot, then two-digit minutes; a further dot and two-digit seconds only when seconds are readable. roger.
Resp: 3.19.36
